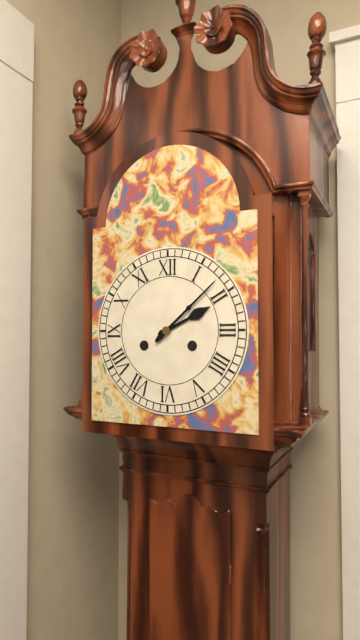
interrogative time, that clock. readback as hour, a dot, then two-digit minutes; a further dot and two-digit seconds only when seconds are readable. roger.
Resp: 2.08
